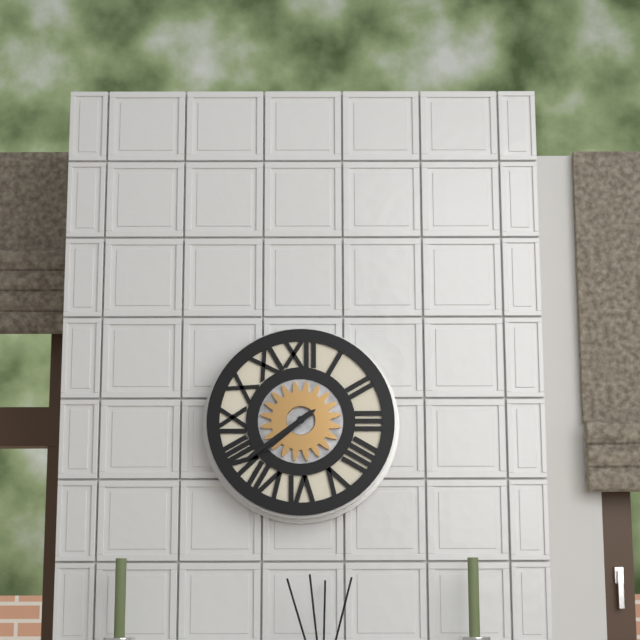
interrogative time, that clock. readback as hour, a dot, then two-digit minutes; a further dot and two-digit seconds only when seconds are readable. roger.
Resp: 7.39
